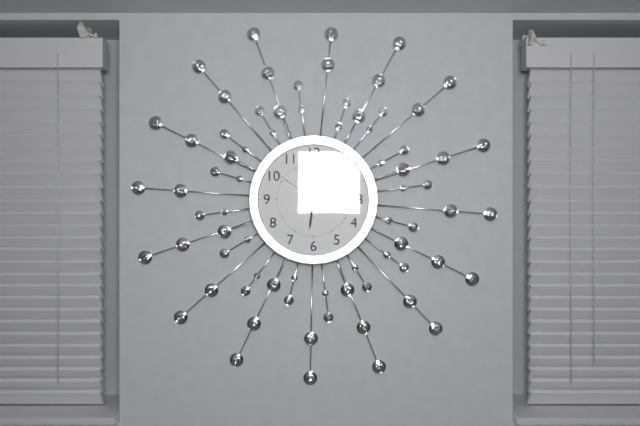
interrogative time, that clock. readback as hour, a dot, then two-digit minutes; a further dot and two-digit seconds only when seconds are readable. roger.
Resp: 6.15.51
